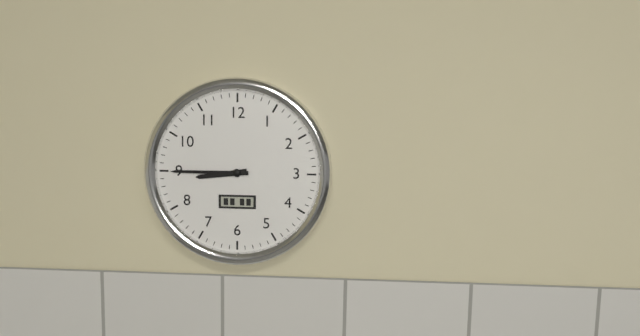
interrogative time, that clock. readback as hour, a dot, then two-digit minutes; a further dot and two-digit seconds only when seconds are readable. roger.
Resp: 8.45
